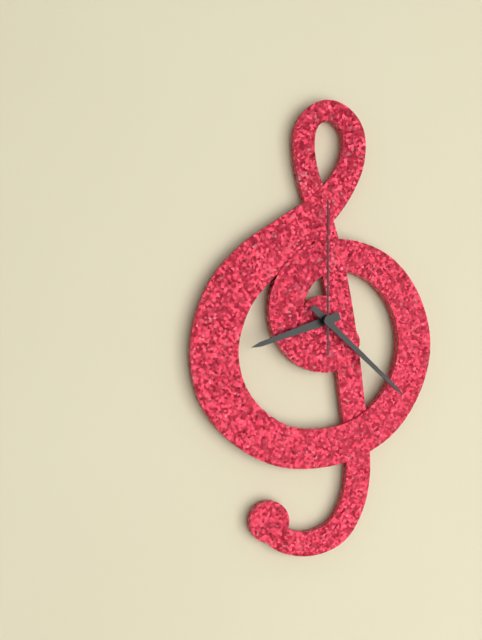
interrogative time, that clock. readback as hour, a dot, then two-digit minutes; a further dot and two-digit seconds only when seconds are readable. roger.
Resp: 8.22.00
